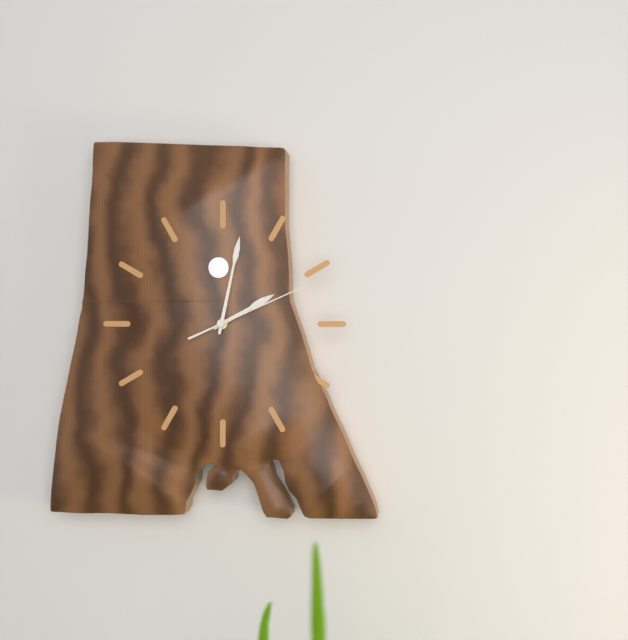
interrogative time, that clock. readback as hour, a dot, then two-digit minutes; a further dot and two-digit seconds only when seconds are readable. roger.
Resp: 2.02.11
